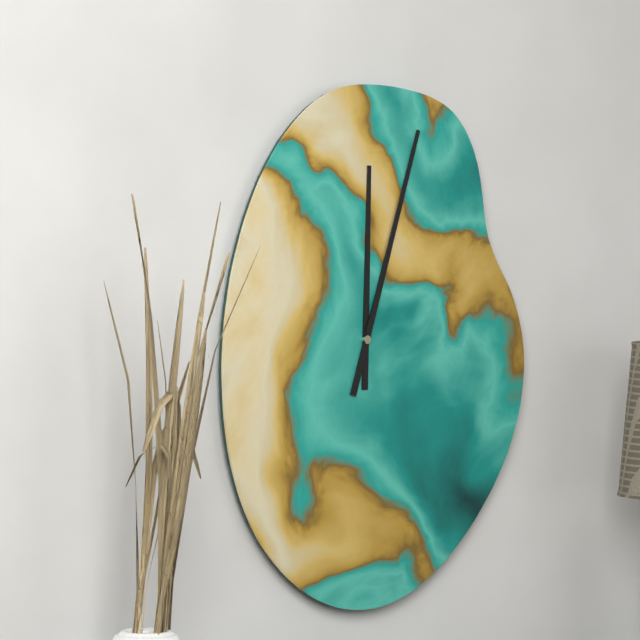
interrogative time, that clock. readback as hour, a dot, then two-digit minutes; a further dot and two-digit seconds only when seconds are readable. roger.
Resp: 12.03
